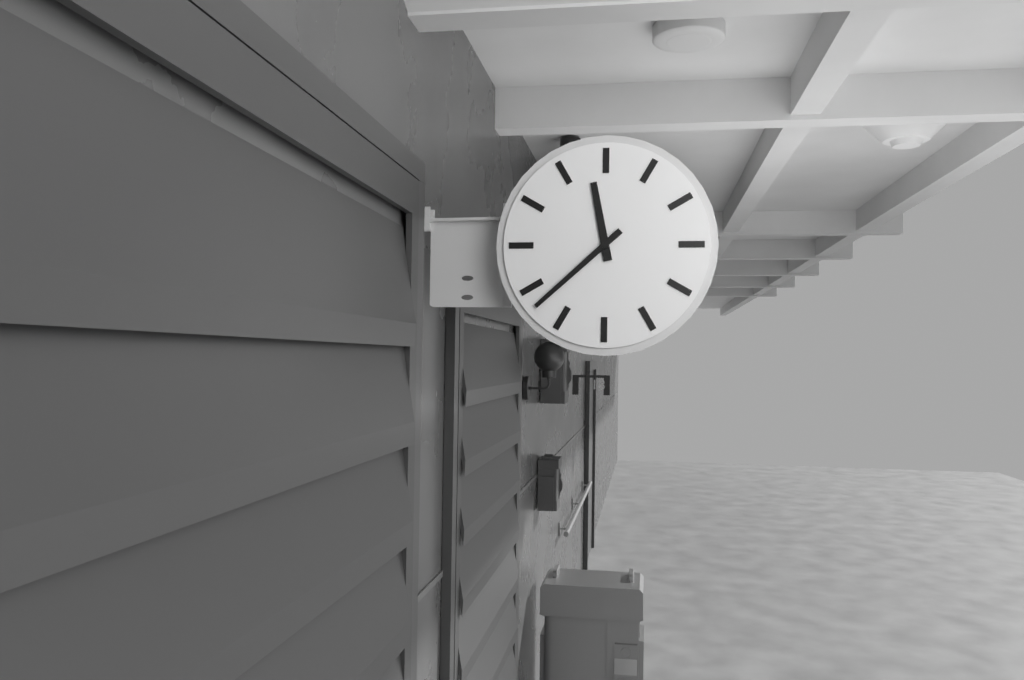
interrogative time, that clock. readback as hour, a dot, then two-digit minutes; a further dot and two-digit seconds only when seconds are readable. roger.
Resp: 11.38
